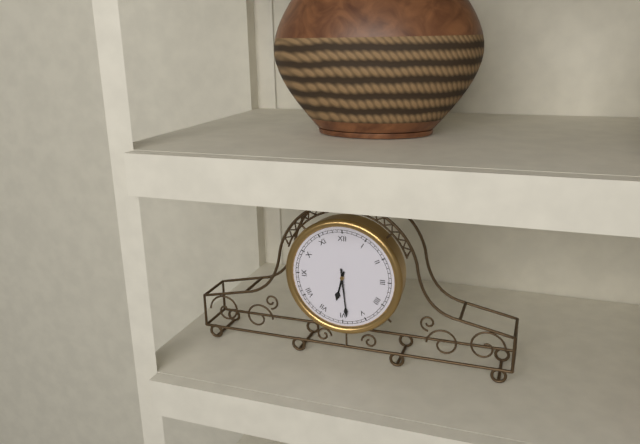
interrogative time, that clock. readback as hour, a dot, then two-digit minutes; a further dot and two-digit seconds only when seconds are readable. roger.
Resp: 6.29
